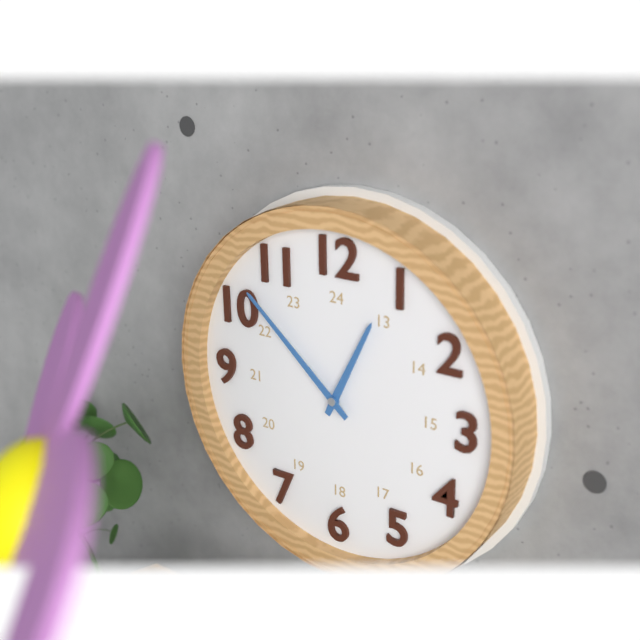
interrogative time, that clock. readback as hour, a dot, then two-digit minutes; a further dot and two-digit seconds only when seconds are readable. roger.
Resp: 12.52
